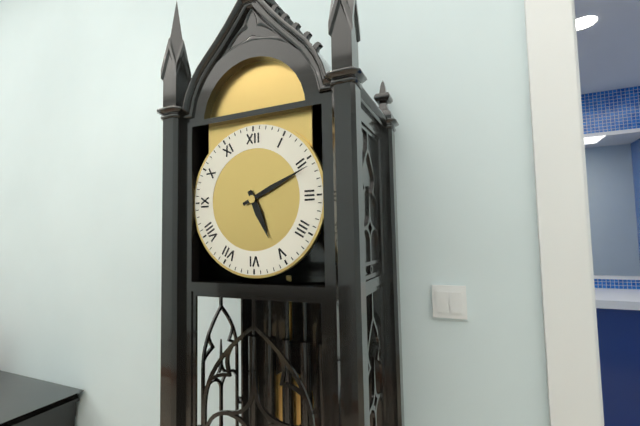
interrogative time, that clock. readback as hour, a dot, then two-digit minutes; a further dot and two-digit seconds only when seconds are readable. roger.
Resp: 5.11
